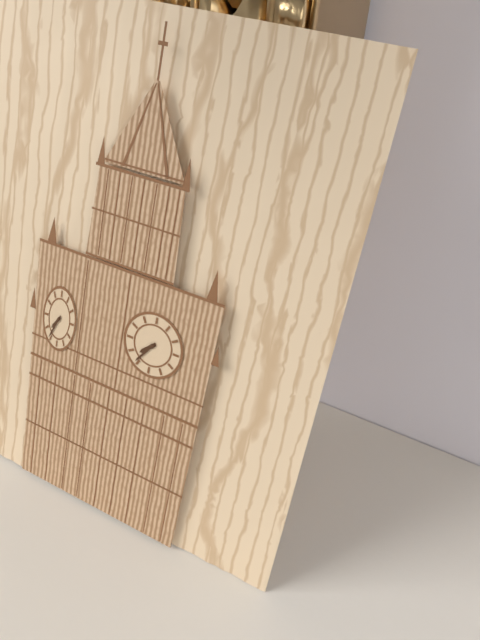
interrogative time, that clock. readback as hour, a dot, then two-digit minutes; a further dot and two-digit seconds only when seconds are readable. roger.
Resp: 7.36
